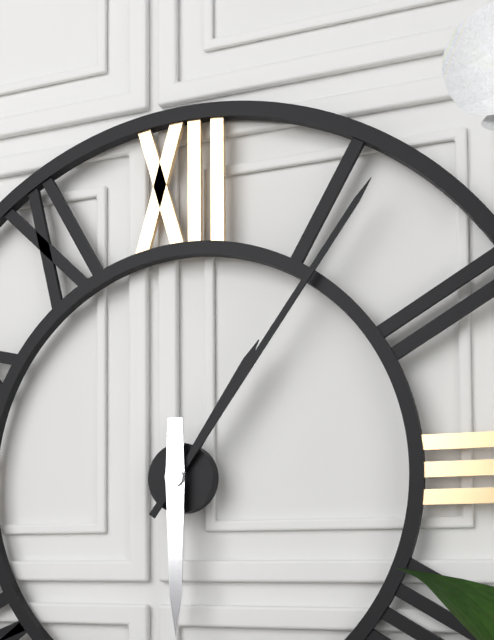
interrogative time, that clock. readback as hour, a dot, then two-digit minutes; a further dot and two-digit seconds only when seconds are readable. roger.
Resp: 1.06.30
